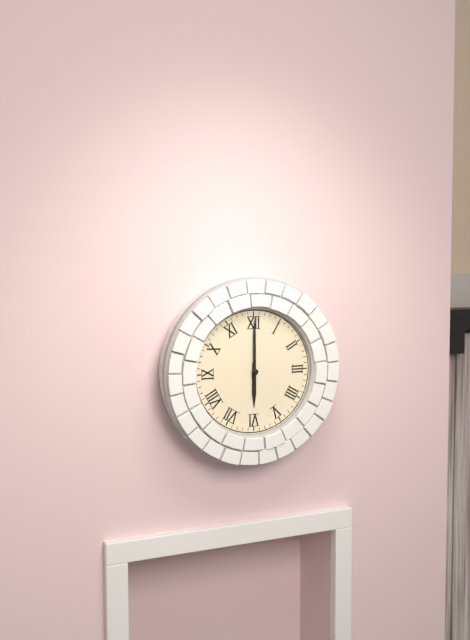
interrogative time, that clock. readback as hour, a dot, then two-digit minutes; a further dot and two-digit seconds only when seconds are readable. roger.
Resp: 6.00
